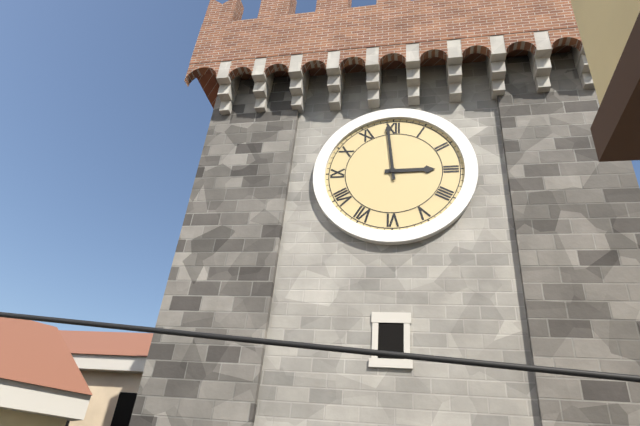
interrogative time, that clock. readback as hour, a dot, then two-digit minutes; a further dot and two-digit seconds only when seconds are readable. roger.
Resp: 2.59
